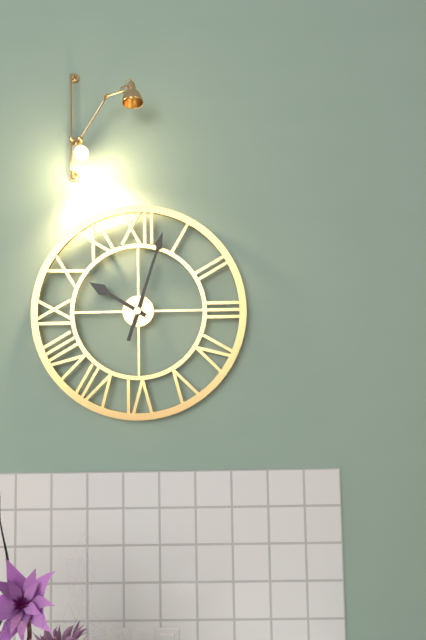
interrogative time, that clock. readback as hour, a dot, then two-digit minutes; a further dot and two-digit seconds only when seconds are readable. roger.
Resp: 10.03
